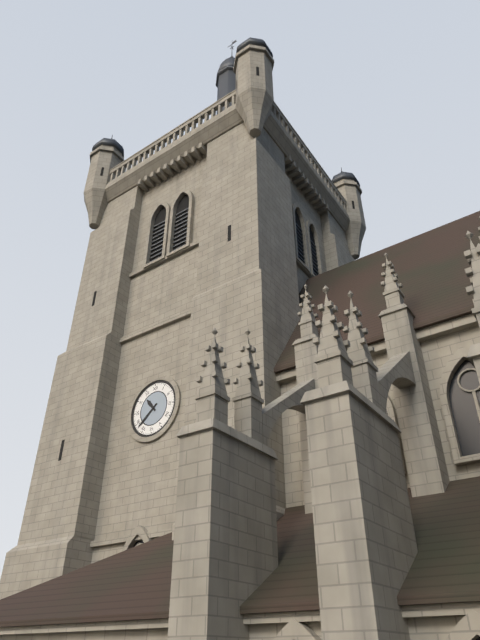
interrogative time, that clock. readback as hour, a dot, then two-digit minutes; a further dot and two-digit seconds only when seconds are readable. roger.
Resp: 10.38
